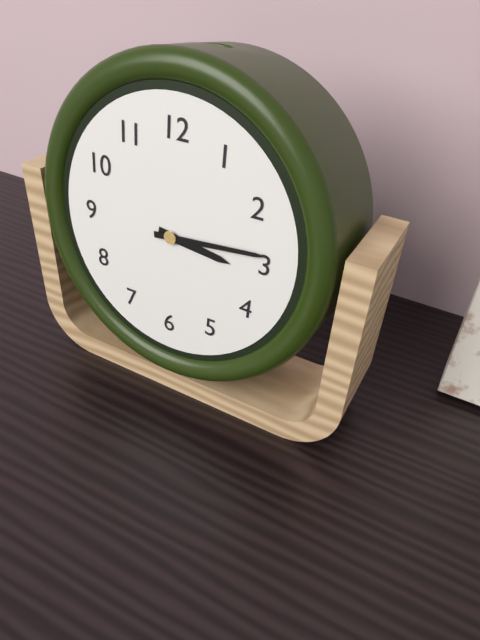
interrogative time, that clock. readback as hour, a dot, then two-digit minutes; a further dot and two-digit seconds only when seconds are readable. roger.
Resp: 3.14
